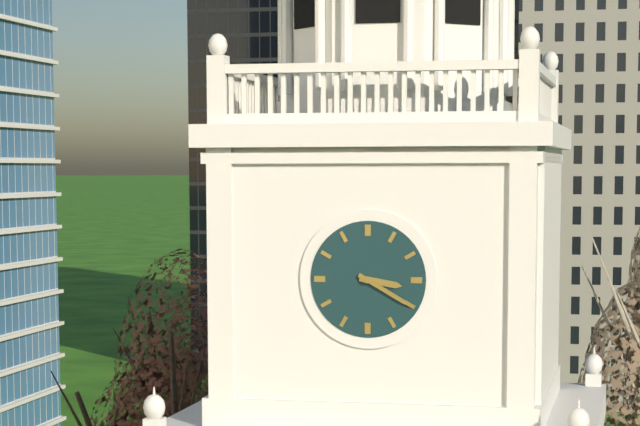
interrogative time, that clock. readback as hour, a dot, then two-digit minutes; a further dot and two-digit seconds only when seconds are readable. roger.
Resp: 3.20
